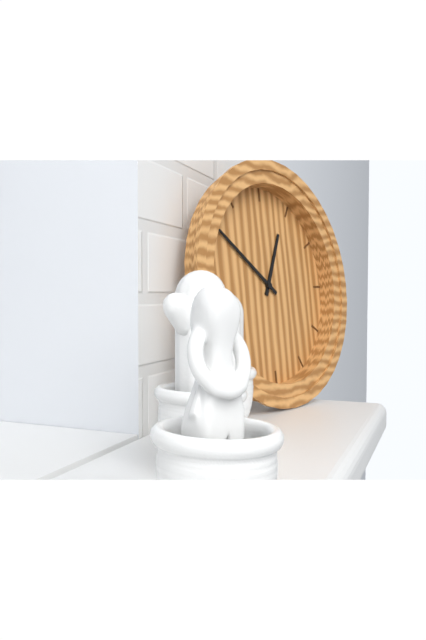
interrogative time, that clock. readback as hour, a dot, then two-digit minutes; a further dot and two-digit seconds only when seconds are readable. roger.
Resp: 12.51
